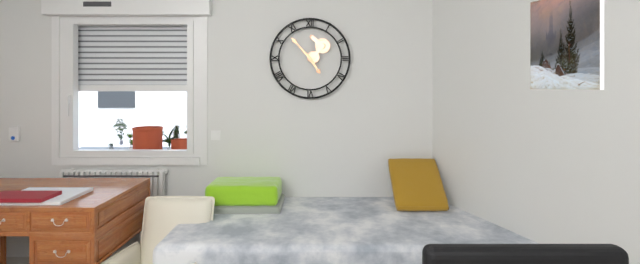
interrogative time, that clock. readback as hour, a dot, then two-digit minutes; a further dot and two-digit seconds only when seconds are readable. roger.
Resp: 4.53
